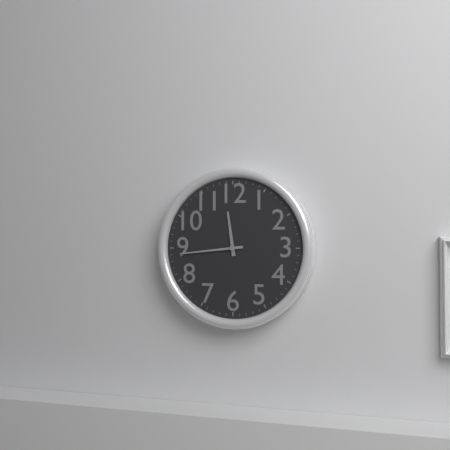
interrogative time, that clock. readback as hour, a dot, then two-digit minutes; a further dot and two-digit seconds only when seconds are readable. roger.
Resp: 11.44
